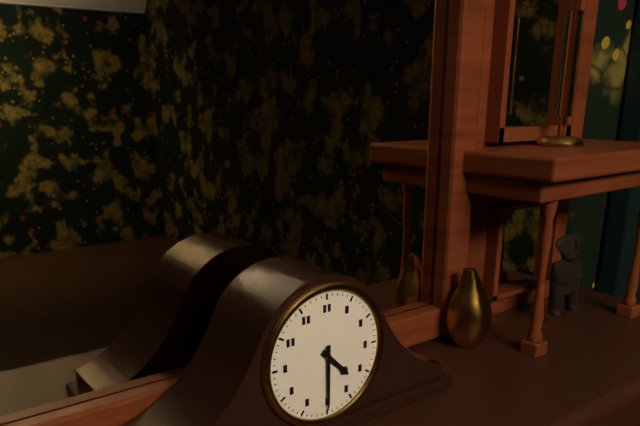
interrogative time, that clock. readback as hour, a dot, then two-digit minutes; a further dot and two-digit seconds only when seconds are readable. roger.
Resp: 4.30
